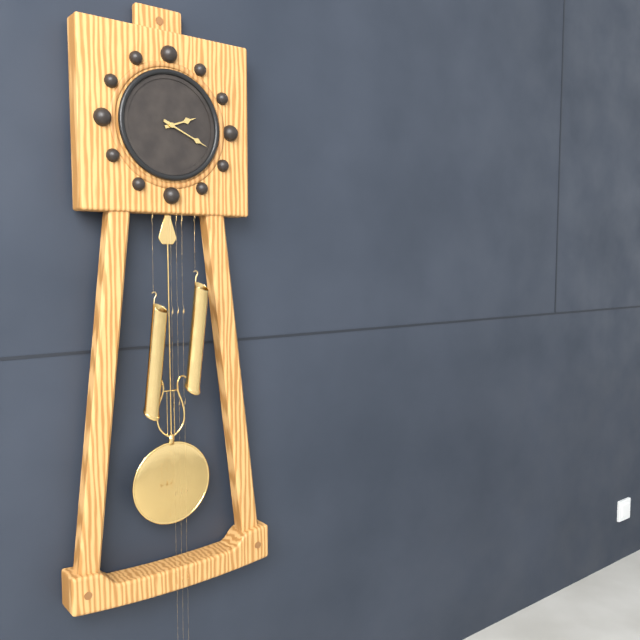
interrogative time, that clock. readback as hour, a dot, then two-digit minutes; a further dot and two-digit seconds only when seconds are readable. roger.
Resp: 2.19
